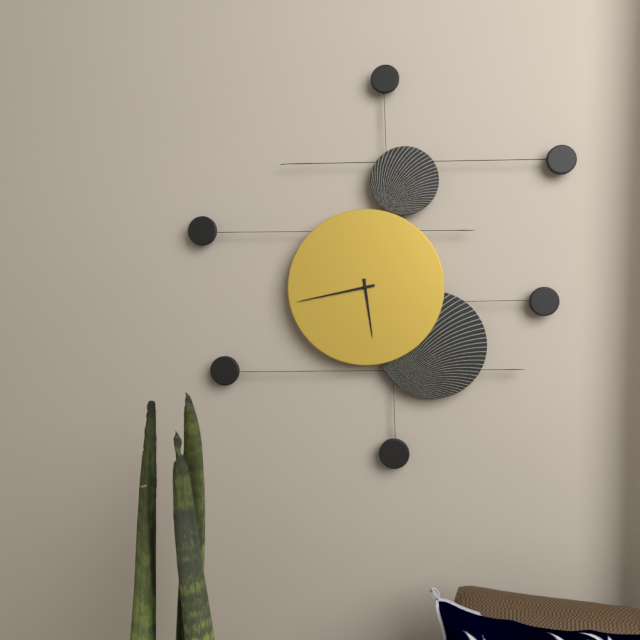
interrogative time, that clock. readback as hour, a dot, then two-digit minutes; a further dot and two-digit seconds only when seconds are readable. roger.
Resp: 5.43
